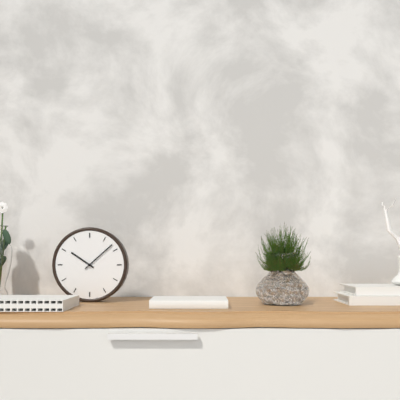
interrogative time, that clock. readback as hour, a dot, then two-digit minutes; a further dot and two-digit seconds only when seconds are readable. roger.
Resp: 10.08
